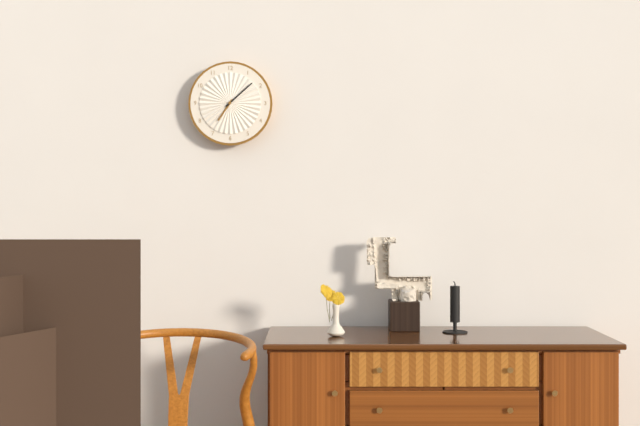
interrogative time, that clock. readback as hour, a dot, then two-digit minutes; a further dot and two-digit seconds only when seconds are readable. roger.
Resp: 7.08
